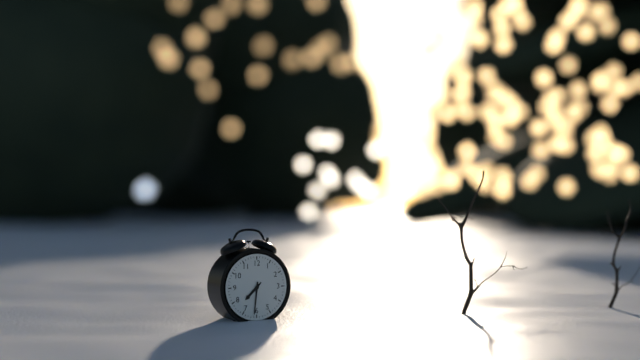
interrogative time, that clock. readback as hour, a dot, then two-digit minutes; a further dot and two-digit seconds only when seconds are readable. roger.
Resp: 7.31
